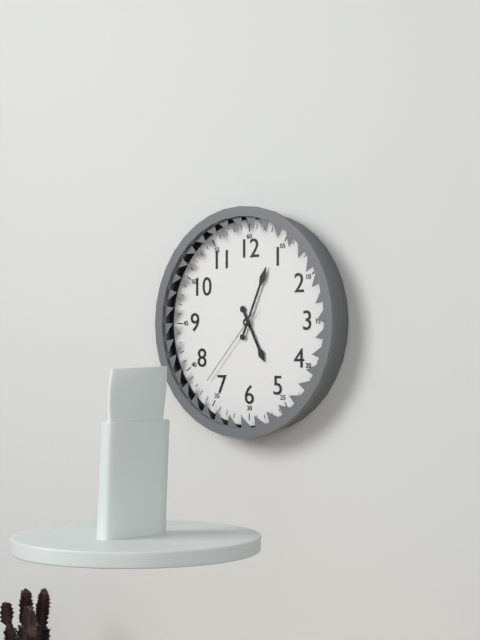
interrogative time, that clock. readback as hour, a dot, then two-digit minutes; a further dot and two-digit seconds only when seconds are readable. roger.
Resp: 5.04.37
